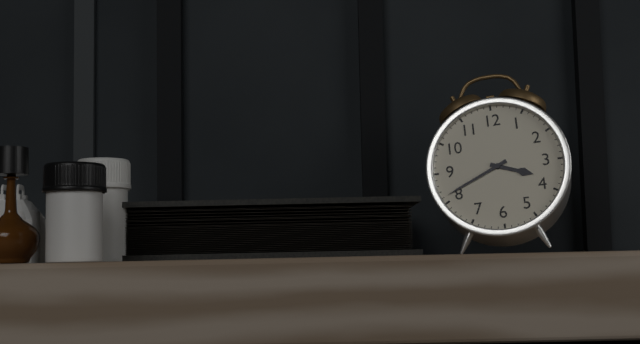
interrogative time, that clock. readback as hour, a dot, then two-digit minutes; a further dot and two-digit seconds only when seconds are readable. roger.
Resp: 3.41
